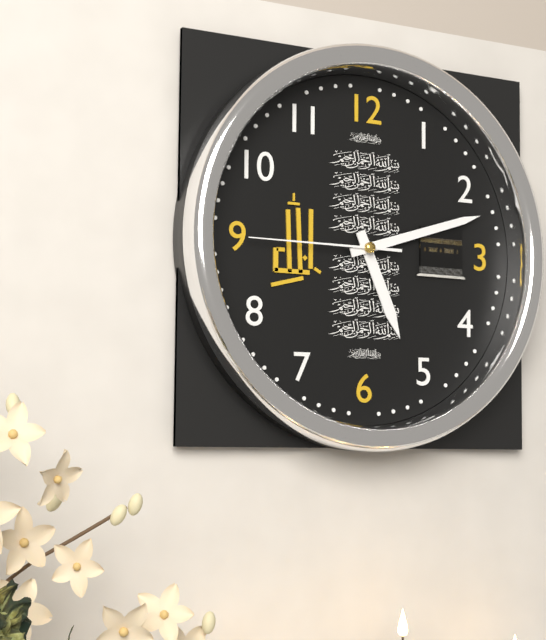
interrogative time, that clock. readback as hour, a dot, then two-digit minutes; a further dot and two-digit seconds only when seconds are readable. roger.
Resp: 5.12.45
